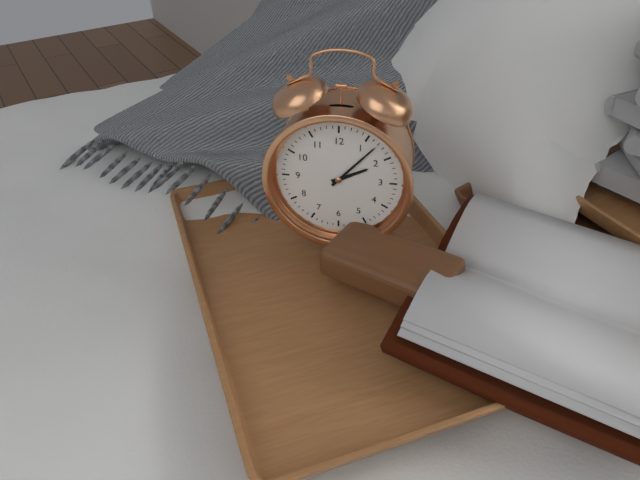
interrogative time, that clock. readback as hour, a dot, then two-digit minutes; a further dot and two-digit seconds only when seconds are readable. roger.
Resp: 2.07
